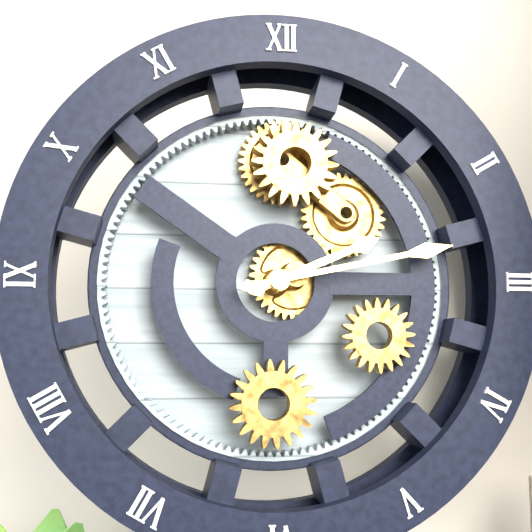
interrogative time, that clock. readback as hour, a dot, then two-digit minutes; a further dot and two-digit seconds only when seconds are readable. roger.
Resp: 2.13
